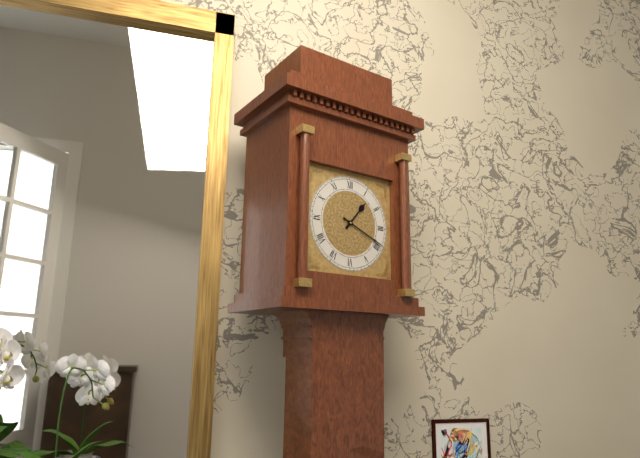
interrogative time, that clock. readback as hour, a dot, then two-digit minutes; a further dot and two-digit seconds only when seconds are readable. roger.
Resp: 1.19
